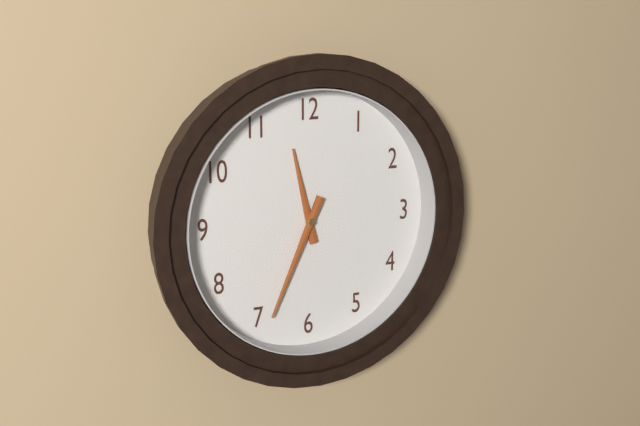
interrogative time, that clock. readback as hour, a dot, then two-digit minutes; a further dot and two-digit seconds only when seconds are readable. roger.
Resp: 11.34
